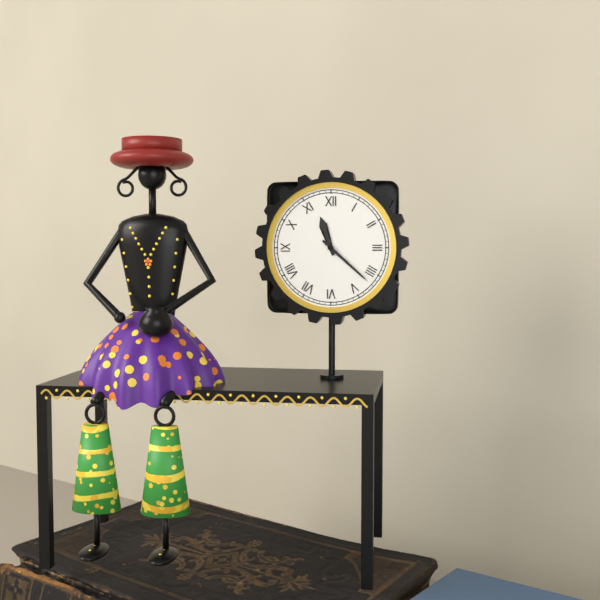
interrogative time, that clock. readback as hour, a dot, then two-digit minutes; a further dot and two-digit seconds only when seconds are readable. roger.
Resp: 11.22
